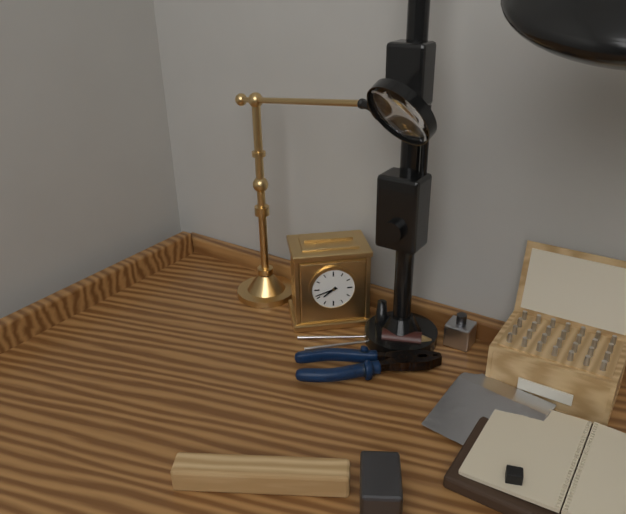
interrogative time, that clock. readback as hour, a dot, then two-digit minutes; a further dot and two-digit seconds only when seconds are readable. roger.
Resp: 7.42
